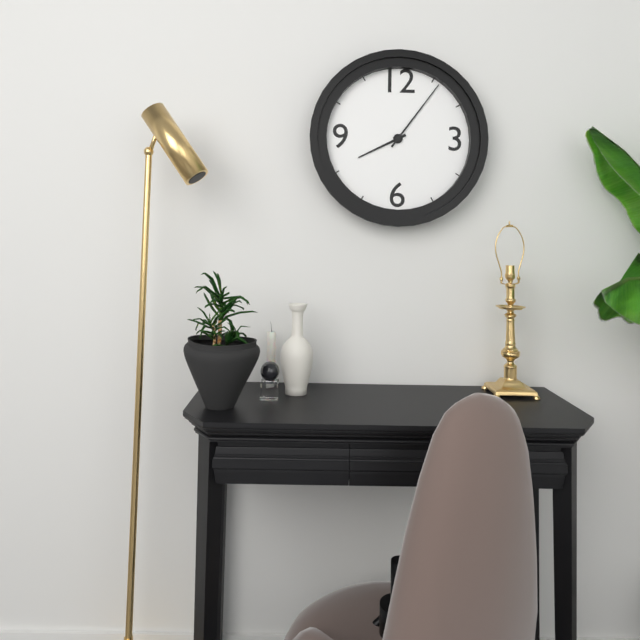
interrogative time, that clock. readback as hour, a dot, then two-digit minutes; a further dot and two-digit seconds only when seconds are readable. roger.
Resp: 8.06
